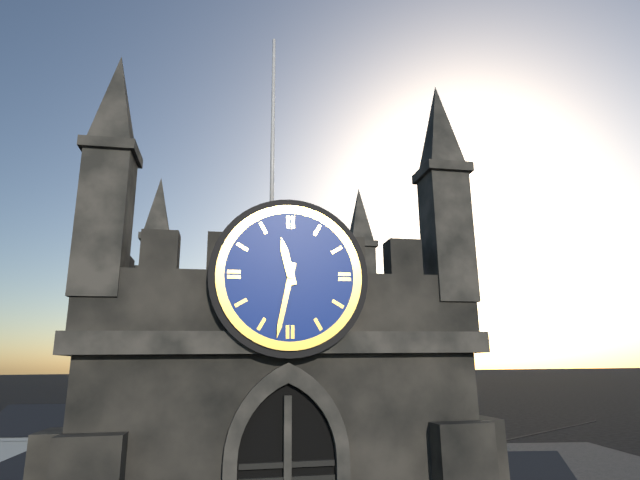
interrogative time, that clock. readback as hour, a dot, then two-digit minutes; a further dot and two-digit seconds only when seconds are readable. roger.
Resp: 11.32
